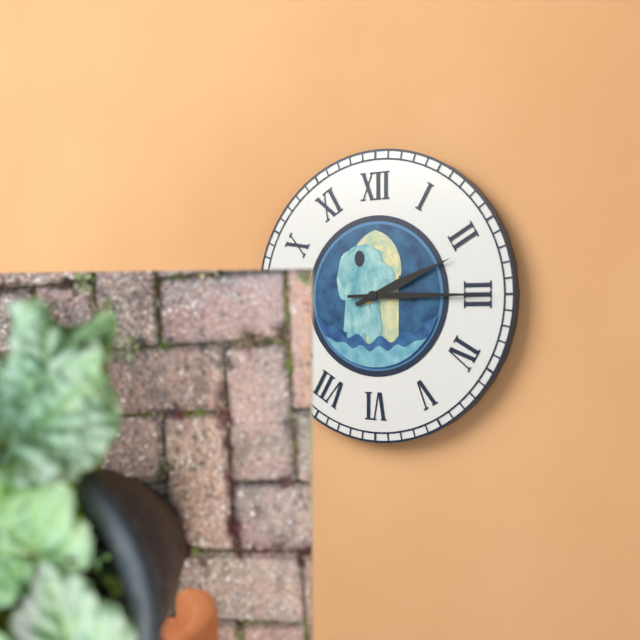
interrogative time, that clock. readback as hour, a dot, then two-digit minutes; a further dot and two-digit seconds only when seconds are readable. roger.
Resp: 2.15
